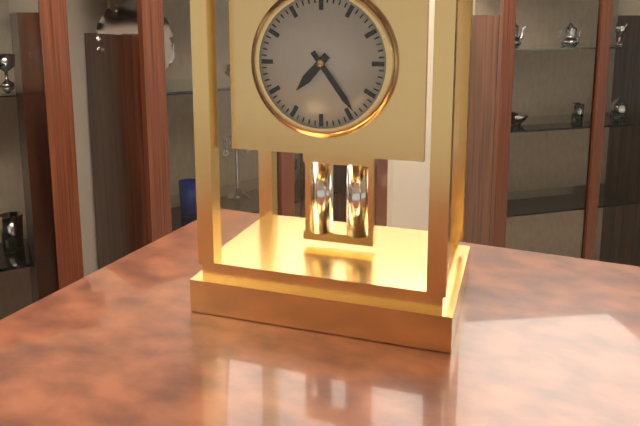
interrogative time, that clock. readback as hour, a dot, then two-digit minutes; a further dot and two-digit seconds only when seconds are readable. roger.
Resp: 7.24
